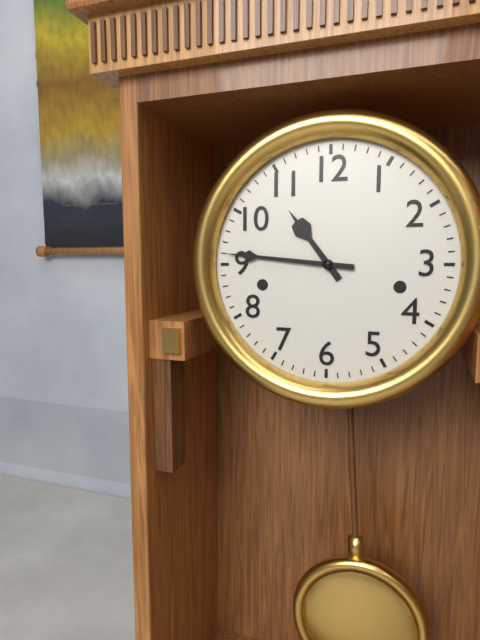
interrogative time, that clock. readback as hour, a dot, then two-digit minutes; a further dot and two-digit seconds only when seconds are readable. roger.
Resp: 10.46
